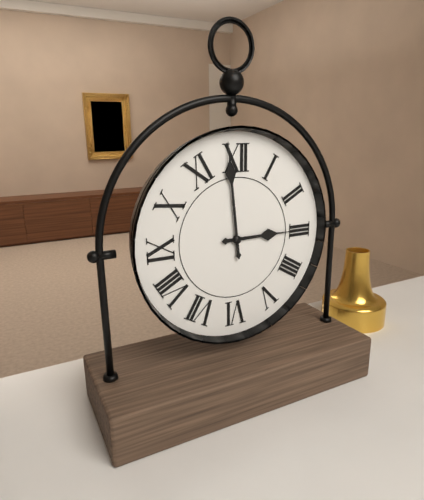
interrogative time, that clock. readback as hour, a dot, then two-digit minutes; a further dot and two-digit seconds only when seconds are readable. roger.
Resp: 2.59
